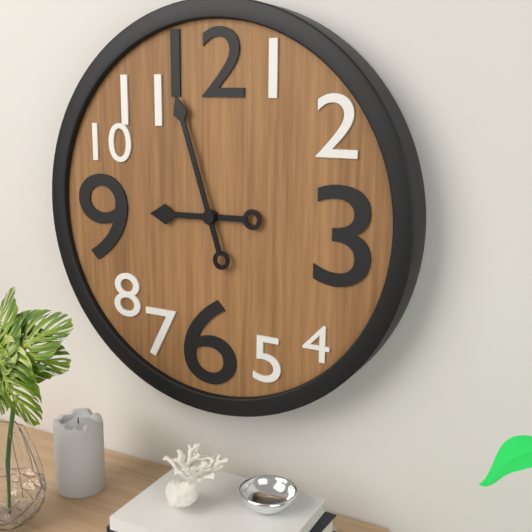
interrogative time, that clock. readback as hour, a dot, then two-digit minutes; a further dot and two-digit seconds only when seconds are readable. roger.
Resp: 8.57
